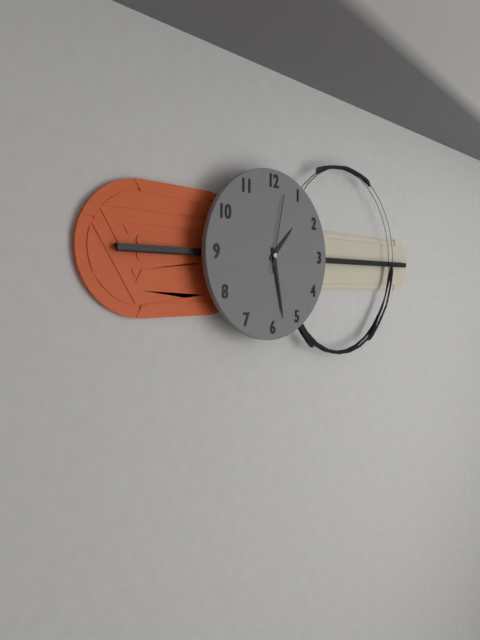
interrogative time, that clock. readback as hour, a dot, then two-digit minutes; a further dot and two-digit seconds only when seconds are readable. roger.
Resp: 1.28.02
